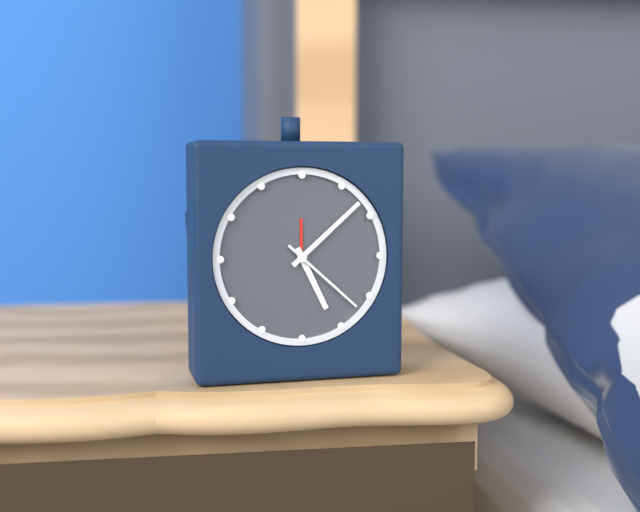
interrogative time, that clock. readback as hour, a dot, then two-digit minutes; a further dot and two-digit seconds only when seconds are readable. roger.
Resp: 5.08.22
